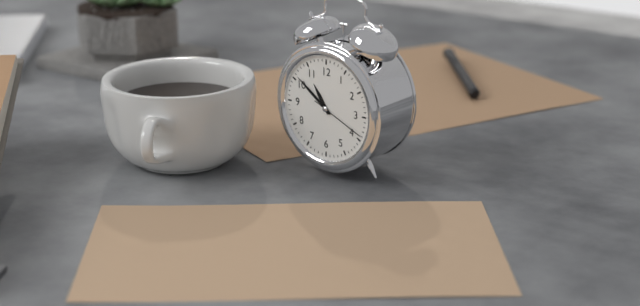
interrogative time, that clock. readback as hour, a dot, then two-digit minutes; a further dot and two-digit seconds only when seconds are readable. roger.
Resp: 10.51.19
